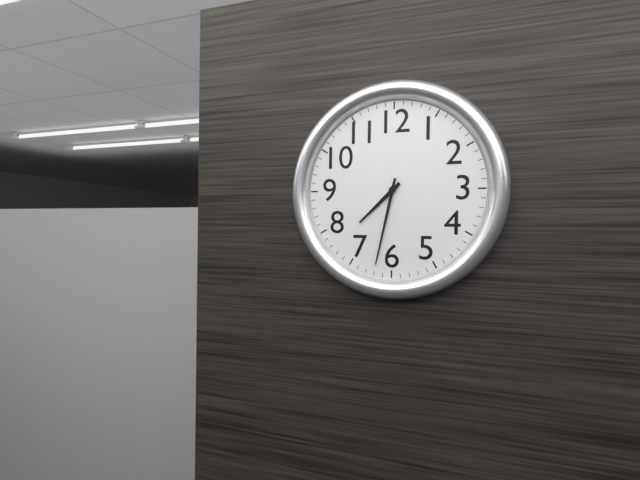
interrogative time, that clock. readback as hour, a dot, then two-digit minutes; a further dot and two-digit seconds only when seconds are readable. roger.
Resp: 7.32
